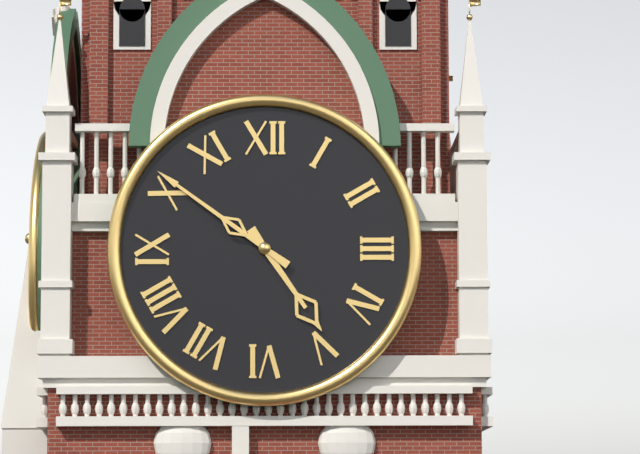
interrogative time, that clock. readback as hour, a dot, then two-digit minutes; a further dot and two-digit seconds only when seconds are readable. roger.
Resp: 4.51
